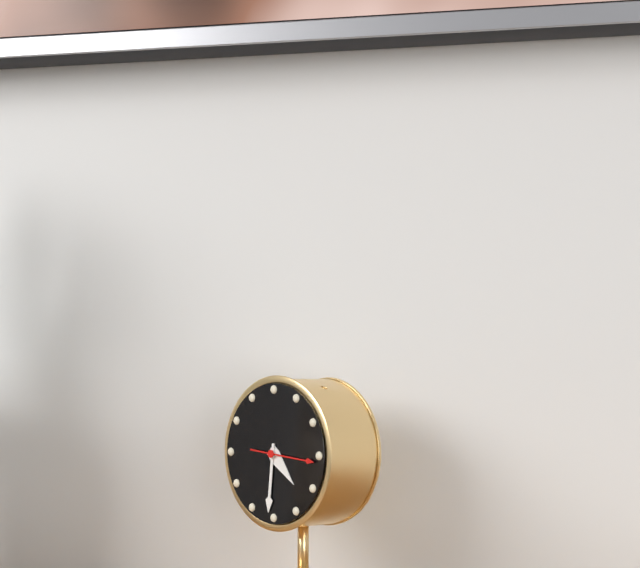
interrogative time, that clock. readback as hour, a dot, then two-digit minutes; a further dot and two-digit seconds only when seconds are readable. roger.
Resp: 4.31.16
